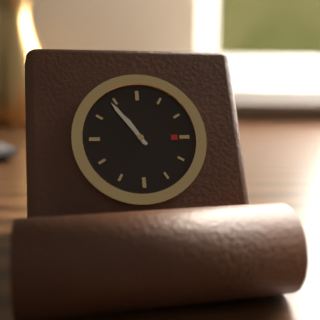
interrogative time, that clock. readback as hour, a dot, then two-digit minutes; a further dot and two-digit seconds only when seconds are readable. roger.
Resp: 10.54
